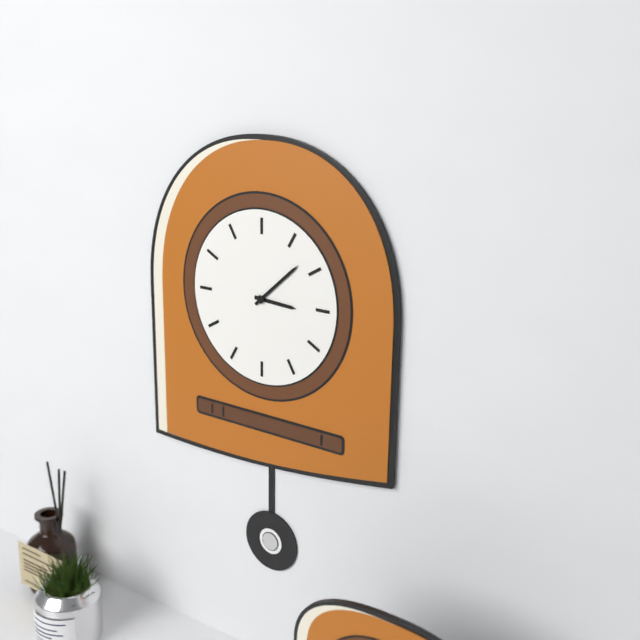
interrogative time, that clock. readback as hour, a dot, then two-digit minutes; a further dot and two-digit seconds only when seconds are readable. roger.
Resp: 3.08
